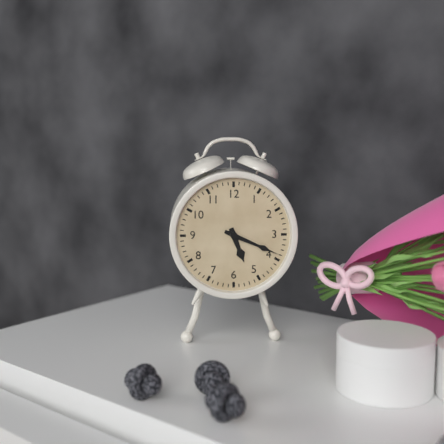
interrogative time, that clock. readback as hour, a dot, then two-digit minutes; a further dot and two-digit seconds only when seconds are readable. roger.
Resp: 5.19
